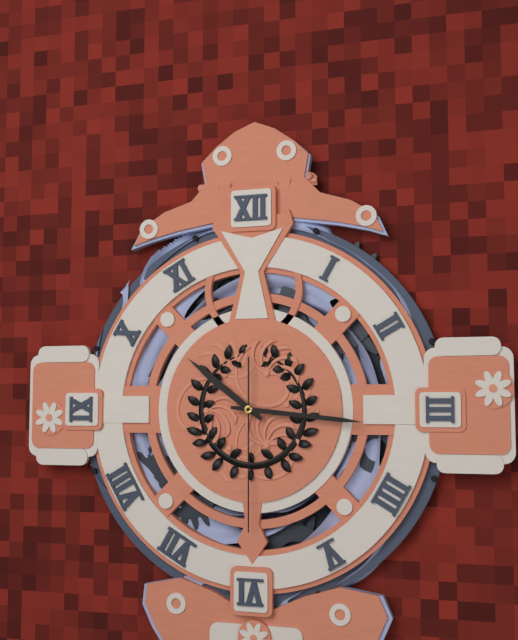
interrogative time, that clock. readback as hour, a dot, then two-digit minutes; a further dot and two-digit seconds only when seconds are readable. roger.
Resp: 10.16.30
